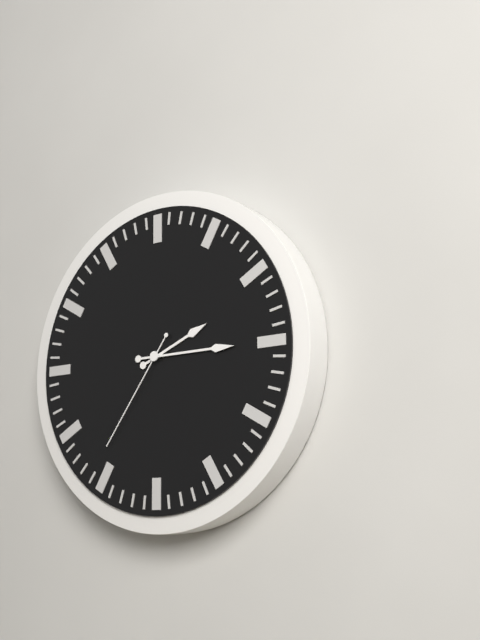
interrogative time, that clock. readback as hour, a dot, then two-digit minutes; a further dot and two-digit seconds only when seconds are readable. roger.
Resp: 2.15.36
